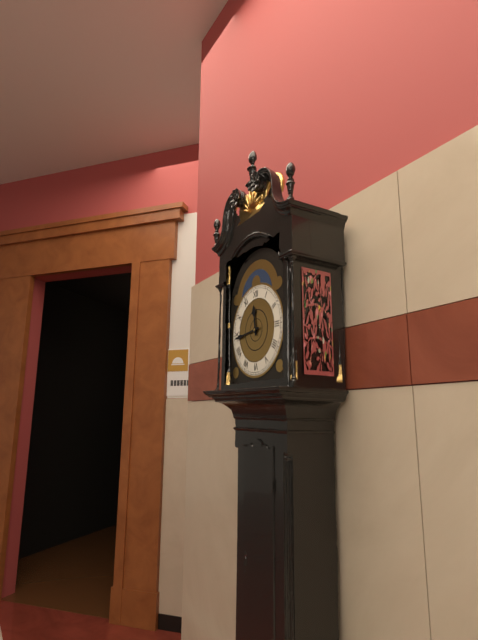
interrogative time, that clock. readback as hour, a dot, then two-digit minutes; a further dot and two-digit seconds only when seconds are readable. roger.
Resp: 11.44
